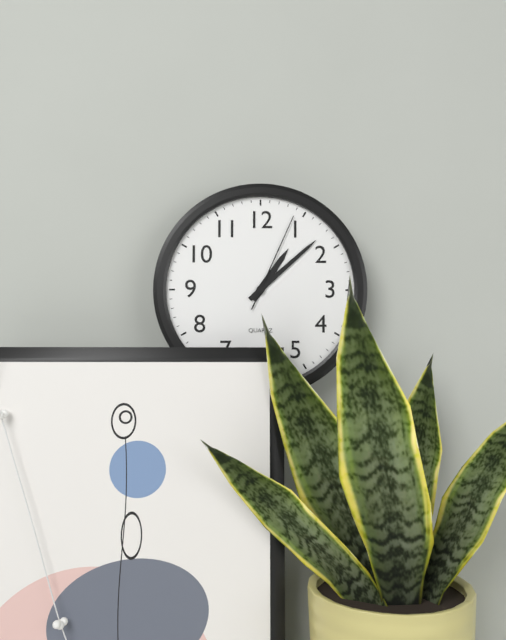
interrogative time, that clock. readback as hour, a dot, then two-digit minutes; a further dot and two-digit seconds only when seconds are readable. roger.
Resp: 1.08.04
